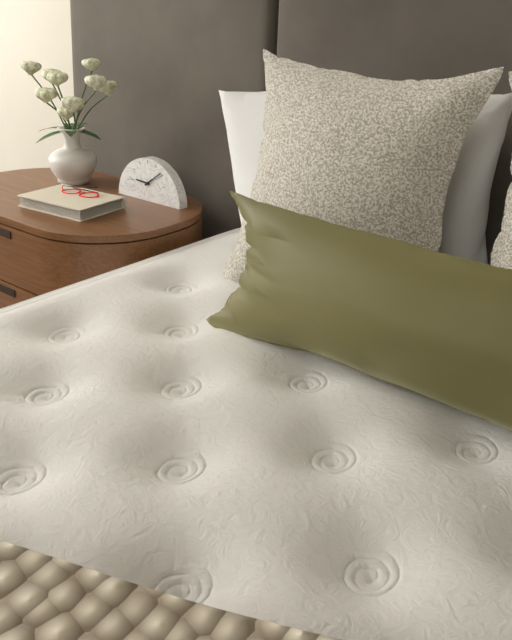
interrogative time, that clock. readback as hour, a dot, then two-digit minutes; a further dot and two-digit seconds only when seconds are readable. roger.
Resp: 9.09
